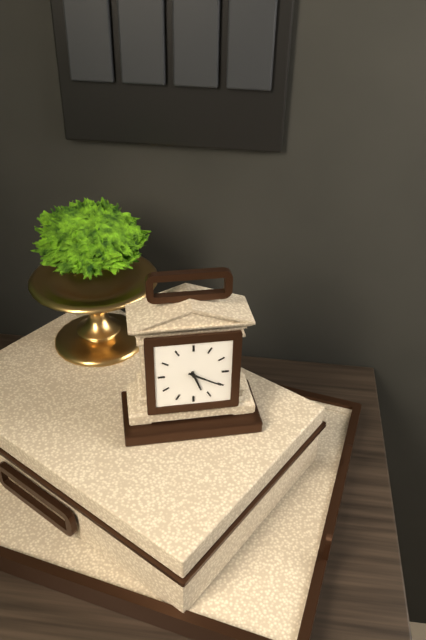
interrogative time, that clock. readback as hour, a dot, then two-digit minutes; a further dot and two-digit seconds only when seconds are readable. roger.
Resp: 5.20
